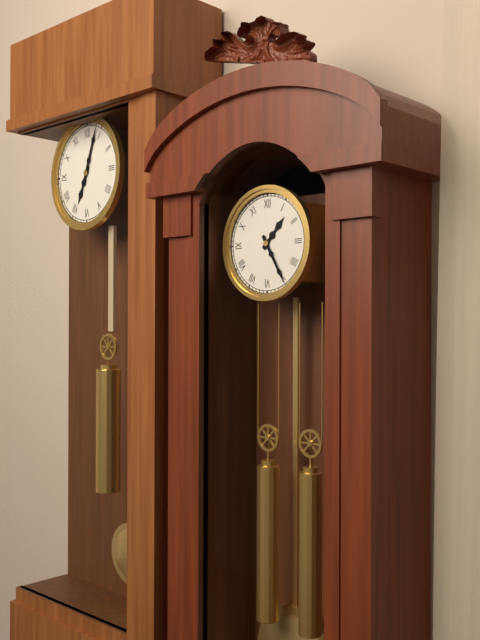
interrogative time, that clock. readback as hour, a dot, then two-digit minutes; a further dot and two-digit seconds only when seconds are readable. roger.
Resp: 1.25
